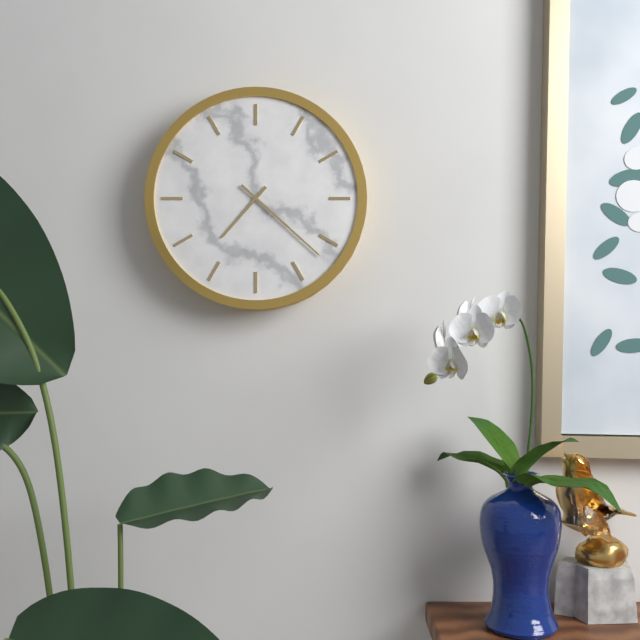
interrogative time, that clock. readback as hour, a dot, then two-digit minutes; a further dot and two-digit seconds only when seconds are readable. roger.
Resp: 7.22
